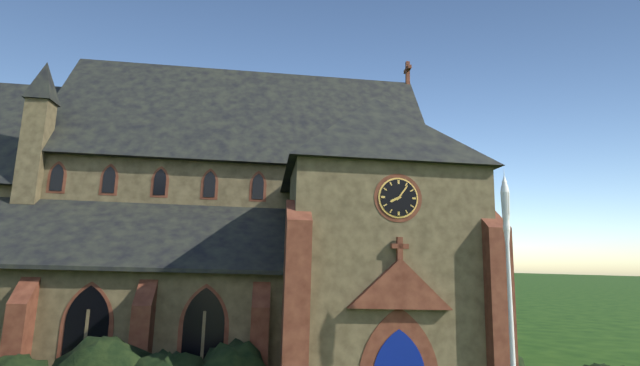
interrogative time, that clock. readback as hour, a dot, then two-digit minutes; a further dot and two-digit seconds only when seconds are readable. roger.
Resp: 8.06
